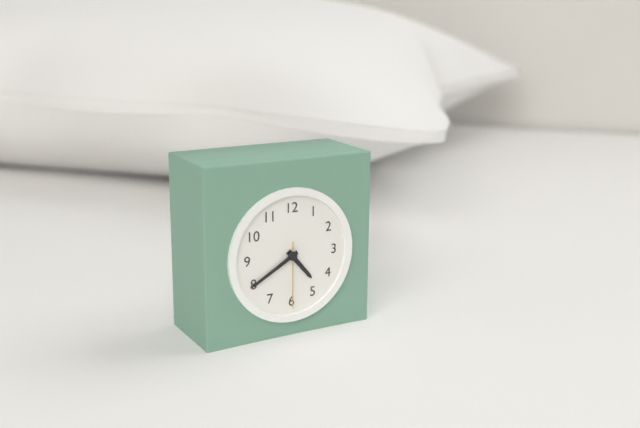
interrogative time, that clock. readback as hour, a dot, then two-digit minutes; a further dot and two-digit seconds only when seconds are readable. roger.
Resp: 4.40.30
